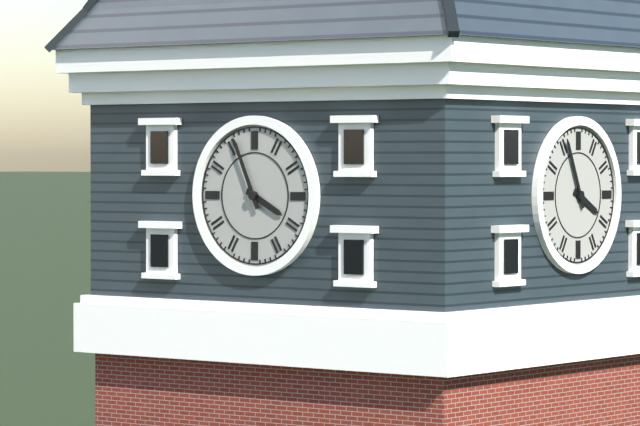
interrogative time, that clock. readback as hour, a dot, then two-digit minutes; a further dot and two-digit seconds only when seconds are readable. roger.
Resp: 3.56
